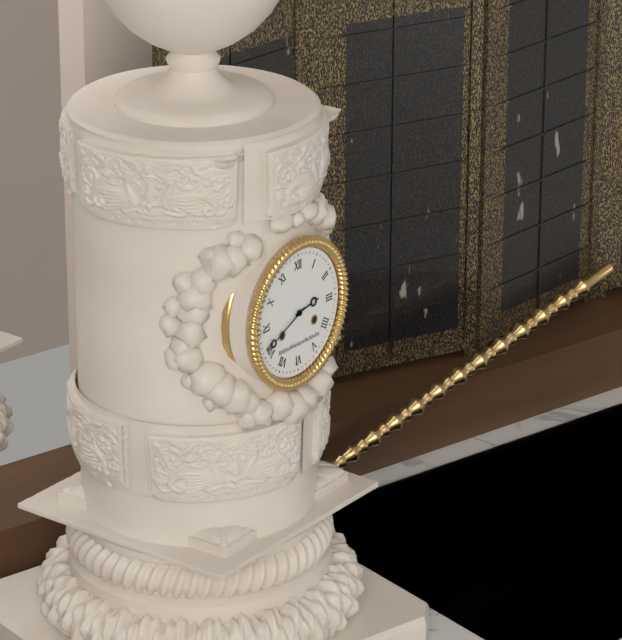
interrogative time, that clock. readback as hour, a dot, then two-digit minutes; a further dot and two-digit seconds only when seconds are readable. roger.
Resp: 2.41
